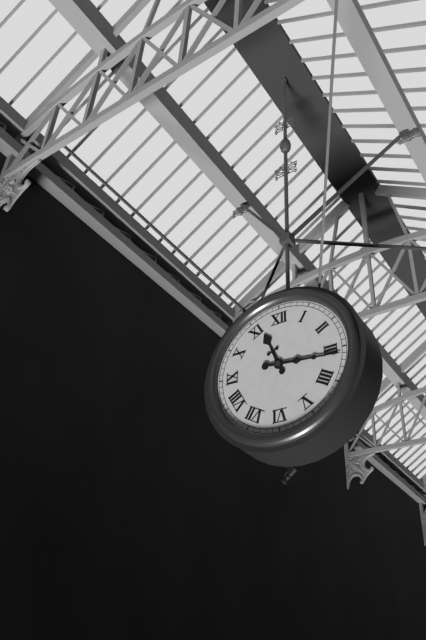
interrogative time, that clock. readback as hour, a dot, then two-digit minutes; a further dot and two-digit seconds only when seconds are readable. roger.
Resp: 11.16
